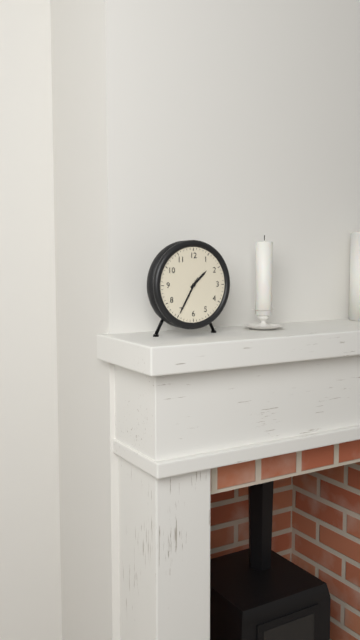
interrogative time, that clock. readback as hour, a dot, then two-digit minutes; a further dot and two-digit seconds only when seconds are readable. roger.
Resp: 1.35
